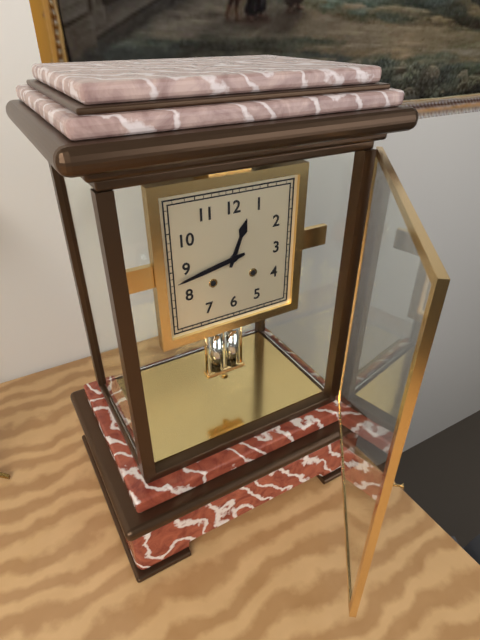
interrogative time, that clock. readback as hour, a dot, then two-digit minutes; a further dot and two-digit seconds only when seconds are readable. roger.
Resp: 12.43
